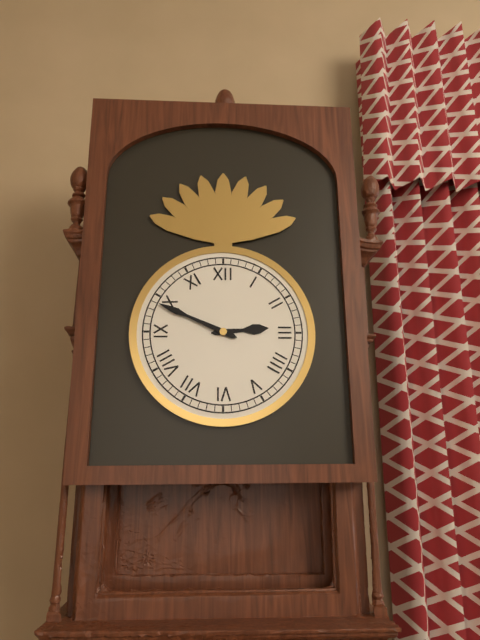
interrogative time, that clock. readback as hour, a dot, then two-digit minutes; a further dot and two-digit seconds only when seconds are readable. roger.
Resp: 2.49
